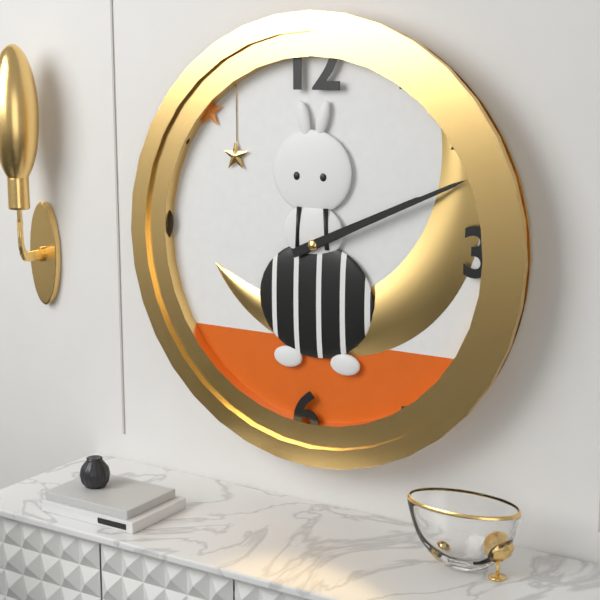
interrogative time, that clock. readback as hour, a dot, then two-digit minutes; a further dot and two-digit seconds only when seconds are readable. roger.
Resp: 2.11
